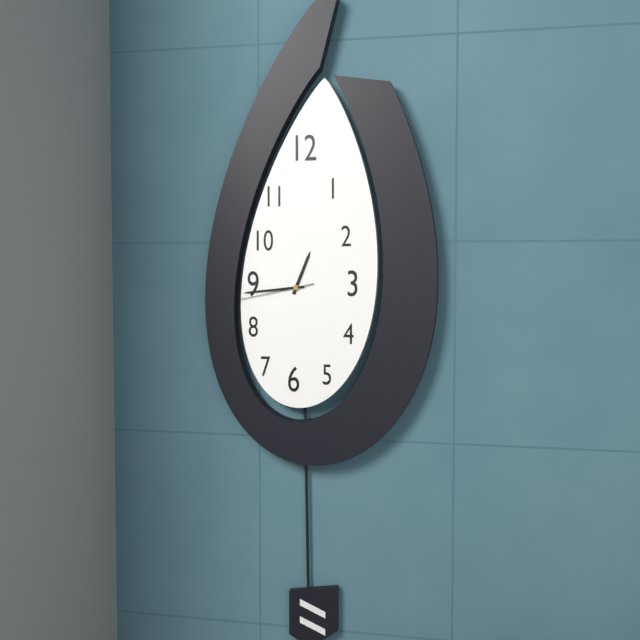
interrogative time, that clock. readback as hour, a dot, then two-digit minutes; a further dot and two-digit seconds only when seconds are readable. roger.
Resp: 12.44.43
